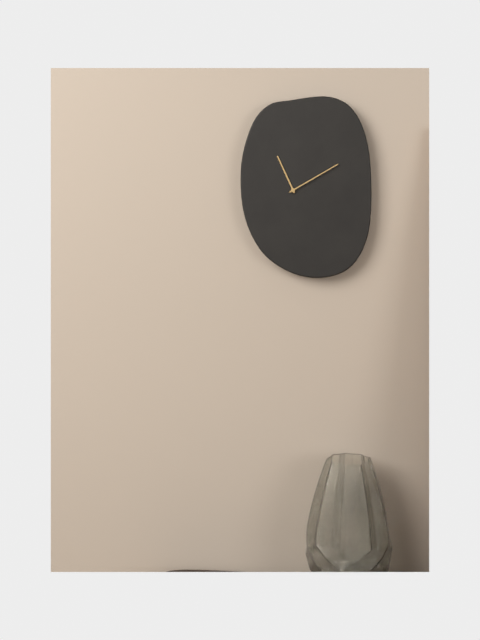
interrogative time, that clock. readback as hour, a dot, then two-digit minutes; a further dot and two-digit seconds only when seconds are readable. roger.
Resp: 11.10
